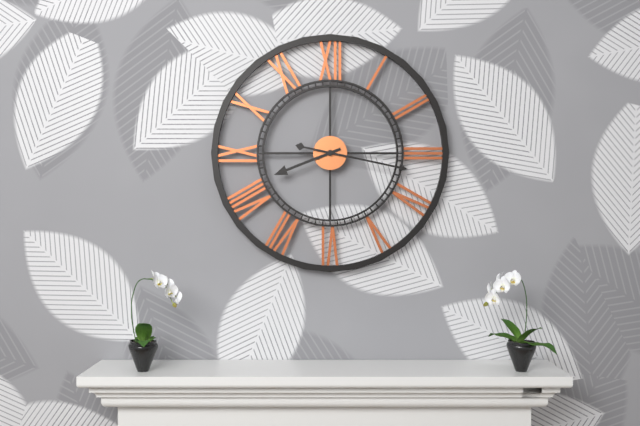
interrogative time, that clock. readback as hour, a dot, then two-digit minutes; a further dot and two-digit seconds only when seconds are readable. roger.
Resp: 8.17
